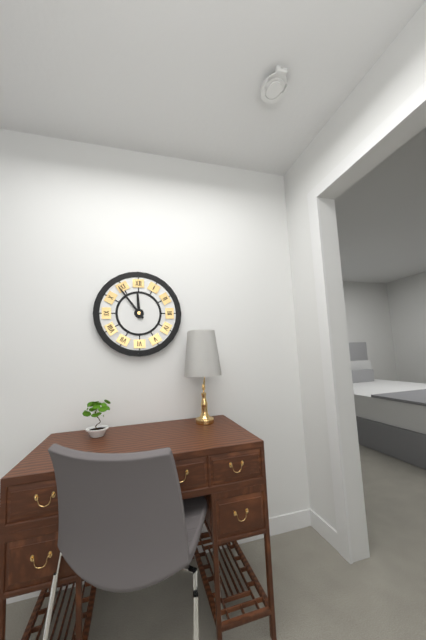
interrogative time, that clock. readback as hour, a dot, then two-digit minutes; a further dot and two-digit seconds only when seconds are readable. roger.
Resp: 11.54
